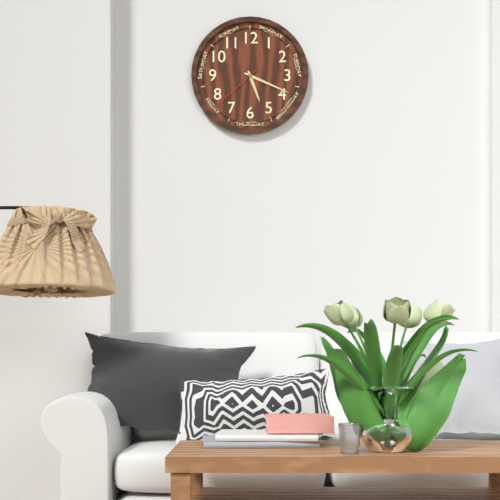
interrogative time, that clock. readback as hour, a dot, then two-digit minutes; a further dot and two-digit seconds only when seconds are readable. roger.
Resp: 5.19.38
